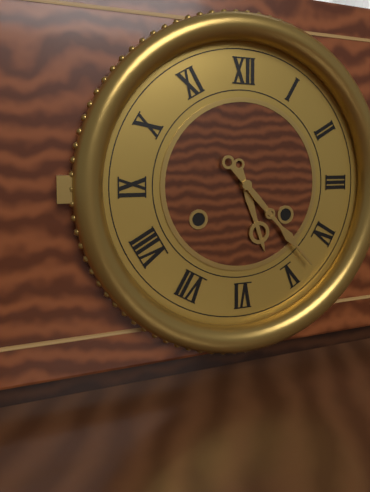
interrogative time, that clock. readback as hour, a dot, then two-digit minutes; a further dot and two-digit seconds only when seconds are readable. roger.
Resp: 5.23
